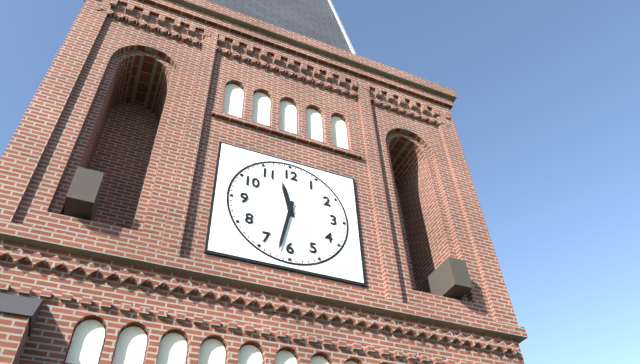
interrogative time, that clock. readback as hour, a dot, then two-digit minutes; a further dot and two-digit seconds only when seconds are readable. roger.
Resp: 11.32
